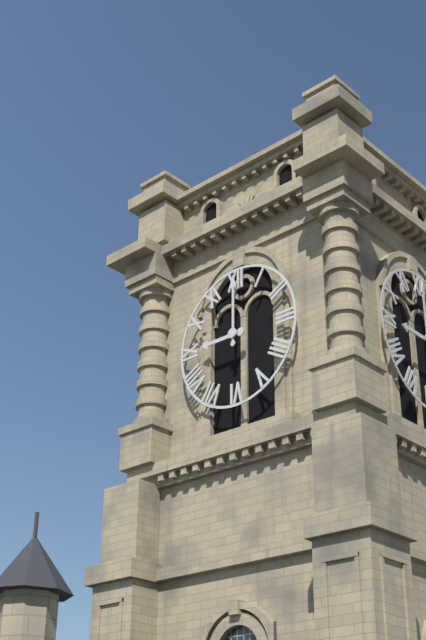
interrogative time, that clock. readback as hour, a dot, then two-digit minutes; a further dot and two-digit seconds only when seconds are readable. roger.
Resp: 9.00
